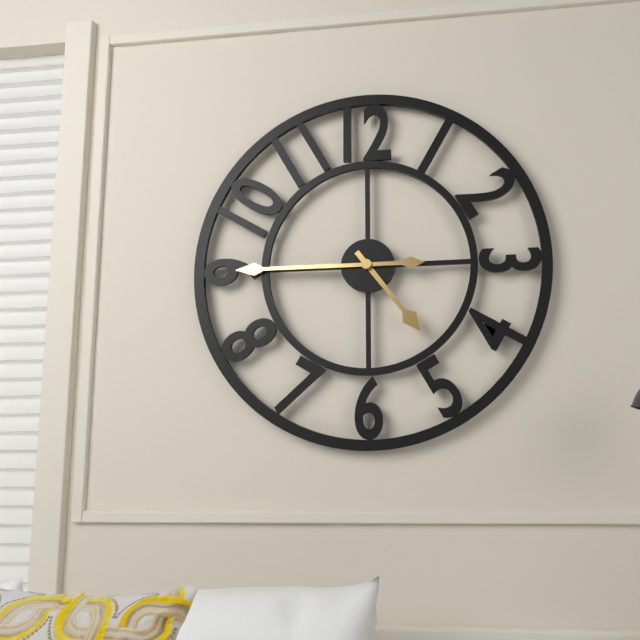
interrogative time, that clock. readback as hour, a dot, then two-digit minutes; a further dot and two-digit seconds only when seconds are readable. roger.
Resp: 4.45
